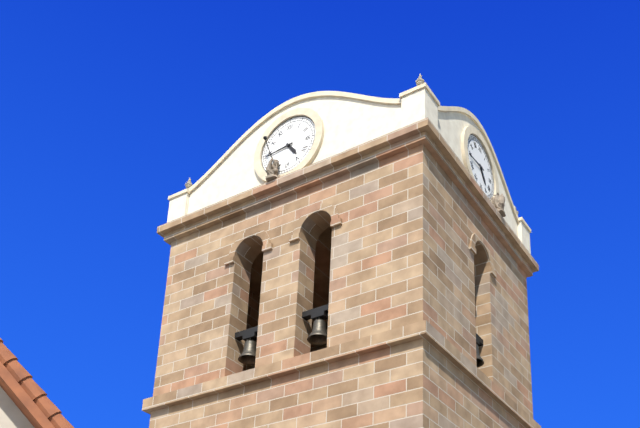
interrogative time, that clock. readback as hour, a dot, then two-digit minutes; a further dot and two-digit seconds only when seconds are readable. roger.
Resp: 4.44
